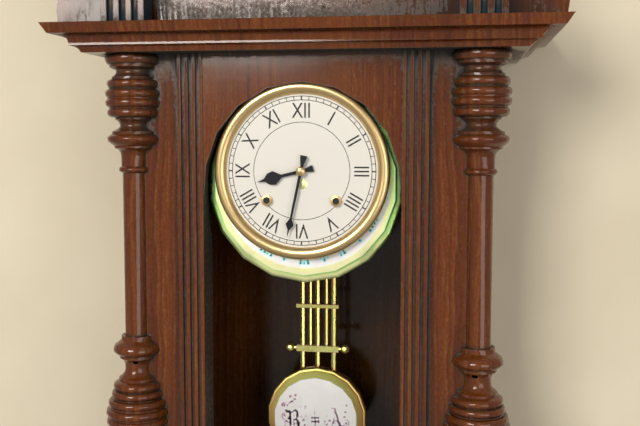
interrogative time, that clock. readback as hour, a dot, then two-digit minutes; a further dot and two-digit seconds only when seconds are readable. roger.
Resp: 8.32
